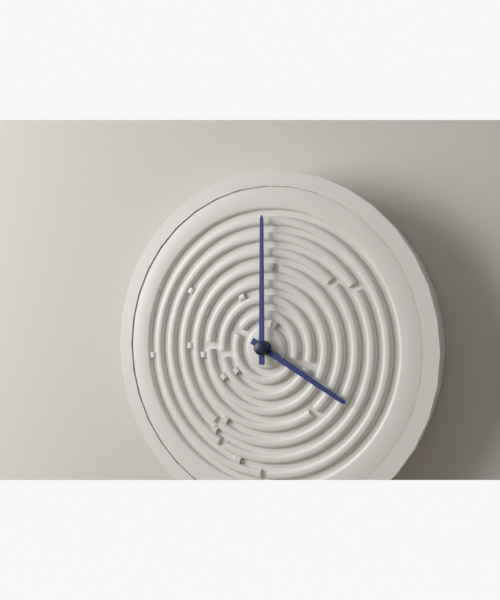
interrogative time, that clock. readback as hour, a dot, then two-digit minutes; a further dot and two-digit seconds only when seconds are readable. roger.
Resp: 4.00
